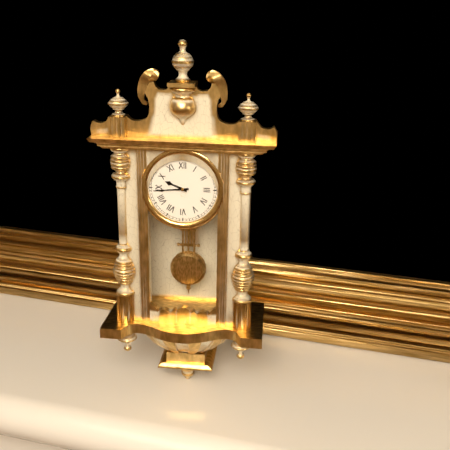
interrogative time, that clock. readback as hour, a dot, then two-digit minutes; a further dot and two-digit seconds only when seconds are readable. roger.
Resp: 9.44
